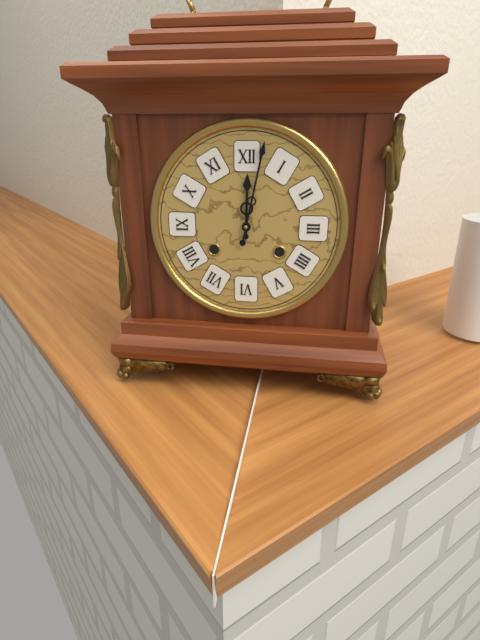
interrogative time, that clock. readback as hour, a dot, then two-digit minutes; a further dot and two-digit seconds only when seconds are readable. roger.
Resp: 12.02
